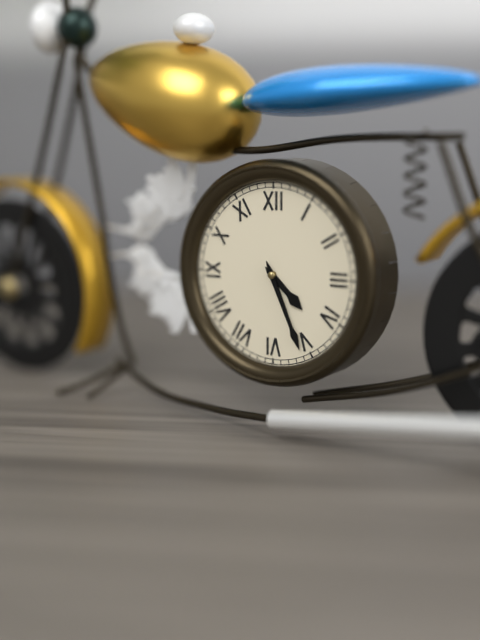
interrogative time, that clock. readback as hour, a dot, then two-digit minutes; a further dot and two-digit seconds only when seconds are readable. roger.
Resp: 4.26
